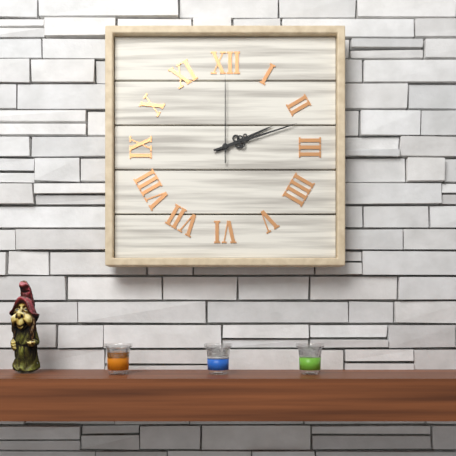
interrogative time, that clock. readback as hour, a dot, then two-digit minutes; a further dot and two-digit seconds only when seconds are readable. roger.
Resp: 2.12.00
